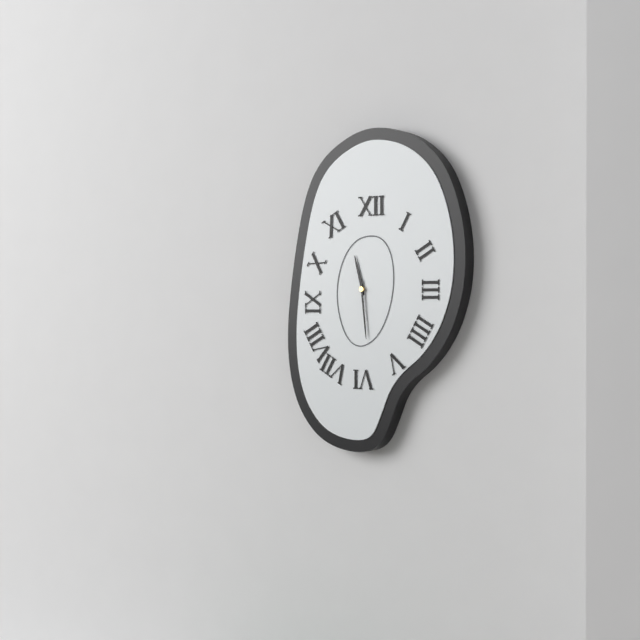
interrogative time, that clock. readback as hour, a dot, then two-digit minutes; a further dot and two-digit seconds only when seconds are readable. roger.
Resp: 11.29
